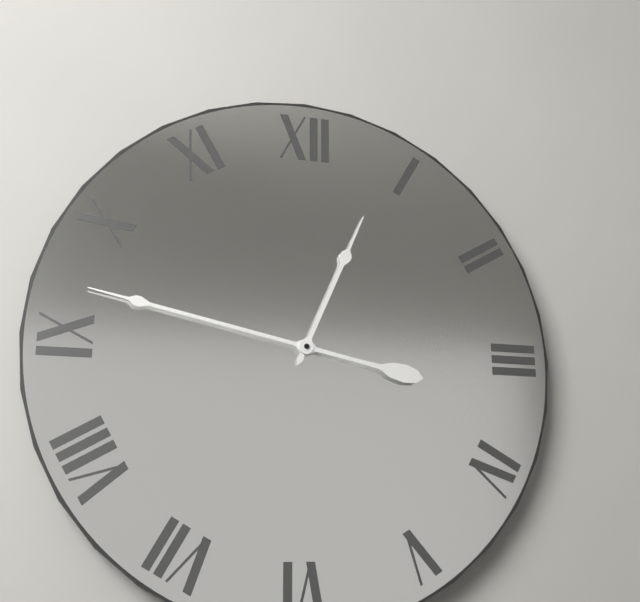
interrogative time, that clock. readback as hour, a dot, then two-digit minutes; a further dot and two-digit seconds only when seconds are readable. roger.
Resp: 12.47
